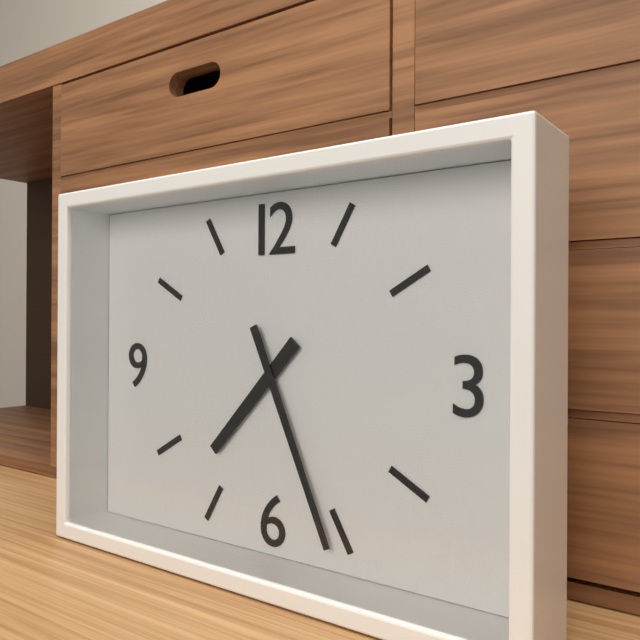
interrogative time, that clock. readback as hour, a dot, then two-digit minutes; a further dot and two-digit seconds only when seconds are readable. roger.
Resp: 7.26
